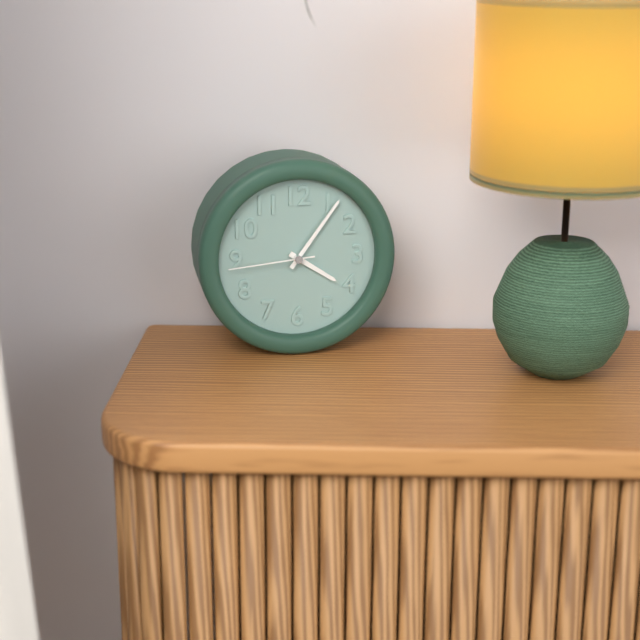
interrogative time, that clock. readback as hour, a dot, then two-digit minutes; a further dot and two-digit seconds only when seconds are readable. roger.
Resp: 4.06.44
